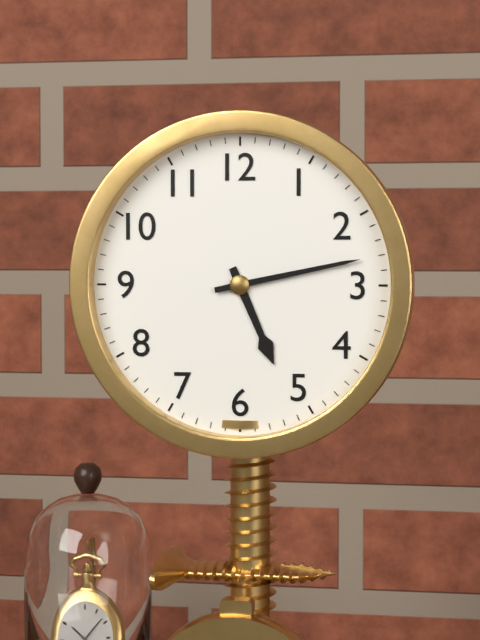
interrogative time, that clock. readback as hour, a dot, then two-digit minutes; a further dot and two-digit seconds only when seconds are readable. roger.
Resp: 5.13
